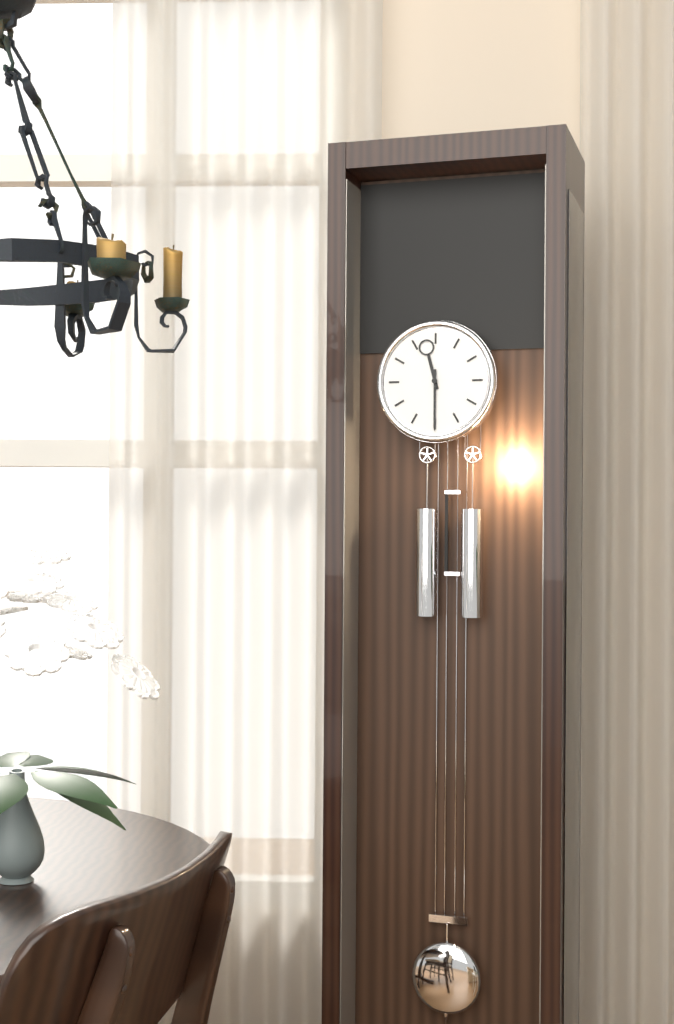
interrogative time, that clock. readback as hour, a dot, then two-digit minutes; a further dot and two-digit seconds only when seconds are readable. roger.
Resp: 11.30
